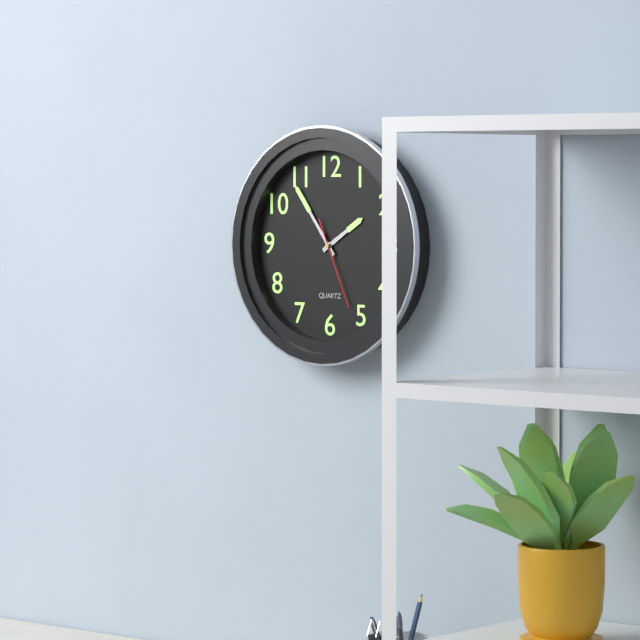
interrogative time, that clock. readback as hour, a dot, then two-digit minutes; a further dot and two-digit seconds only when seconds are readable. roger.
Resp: 1.54.26
